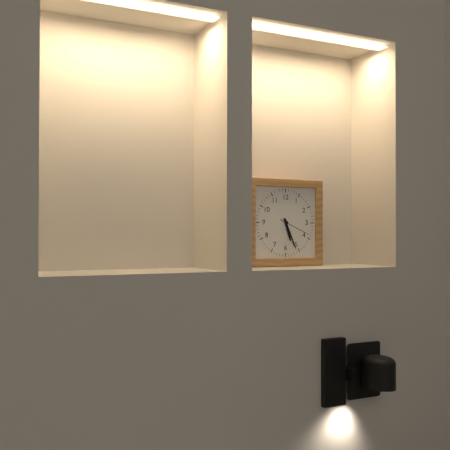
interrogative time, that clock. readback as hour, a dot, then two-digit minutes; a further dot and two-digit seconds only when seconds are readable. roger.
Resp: 5.26
